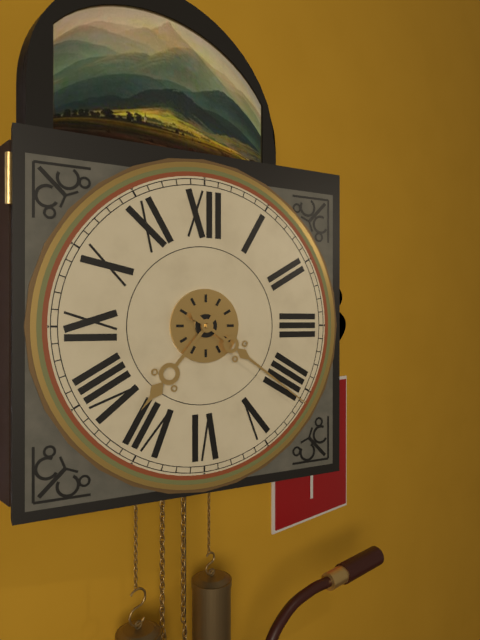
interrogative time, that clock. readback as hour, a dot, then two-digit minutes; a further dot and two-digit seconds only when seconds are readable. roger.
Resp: 7.21
